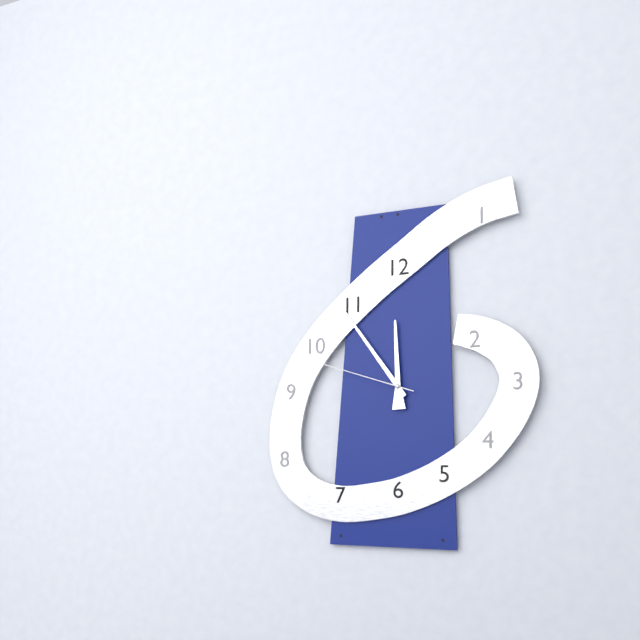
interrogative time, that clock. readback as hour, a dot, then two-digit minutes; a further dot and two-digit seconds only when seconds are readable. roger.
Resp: 11.54.48
